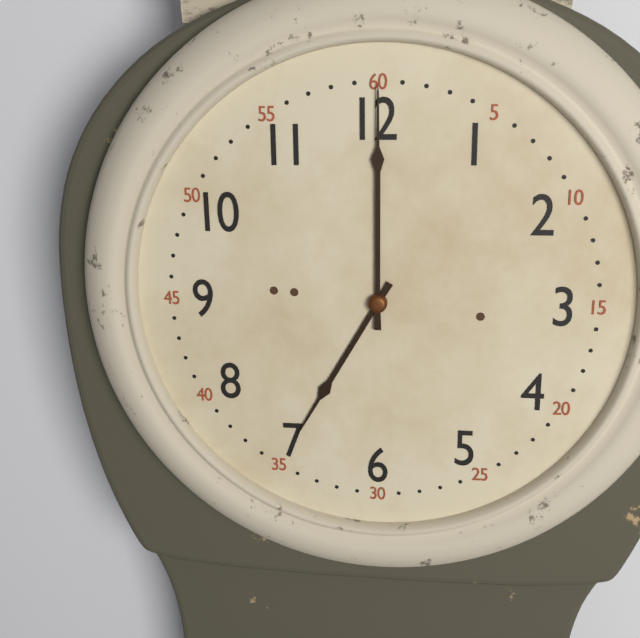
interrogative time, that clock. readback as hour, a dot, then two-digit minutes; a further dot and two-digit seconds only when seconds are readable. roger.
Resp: 7.00
